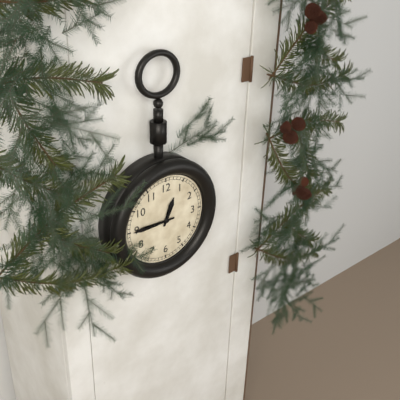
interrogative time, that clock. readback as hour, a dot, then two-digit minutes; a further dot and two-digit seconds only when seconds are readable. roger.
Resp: 12.45
